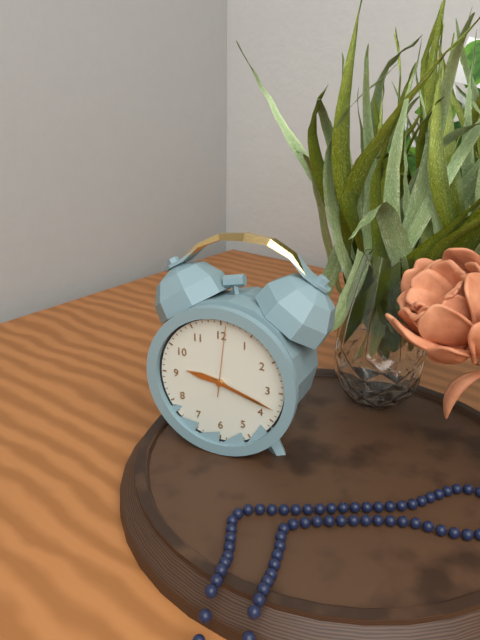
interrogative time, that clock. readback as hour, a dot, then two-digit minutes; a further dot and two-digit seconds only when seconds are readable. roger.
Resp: 9.18.01
